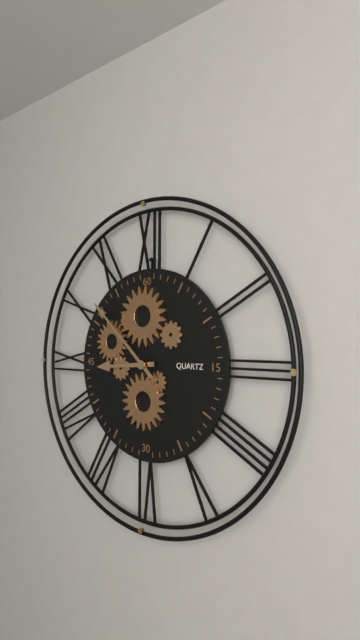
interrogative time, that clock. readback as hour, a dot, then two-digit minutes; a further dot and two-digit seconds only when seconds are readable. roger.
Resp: 8.52
